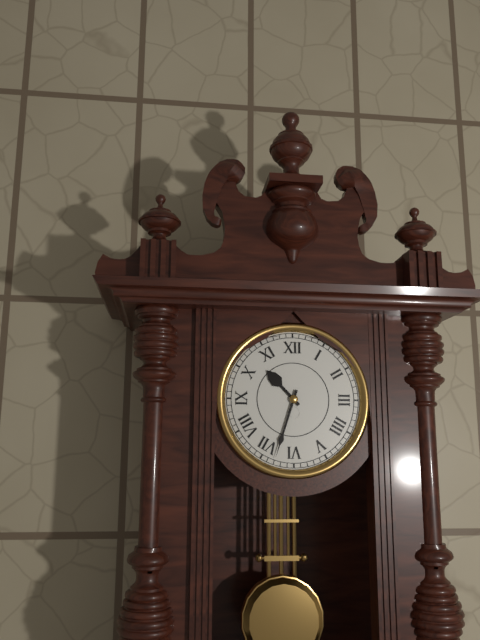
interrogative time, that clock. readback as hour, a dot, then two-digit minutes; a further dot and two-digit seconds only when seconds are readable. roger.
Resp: 10.33
